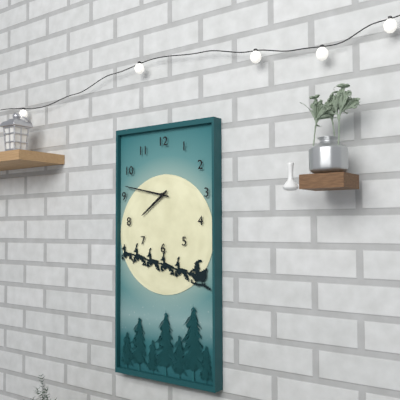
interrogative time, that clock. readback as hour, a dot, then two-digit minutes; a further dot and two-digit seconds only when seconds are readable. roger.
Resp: 7.47
